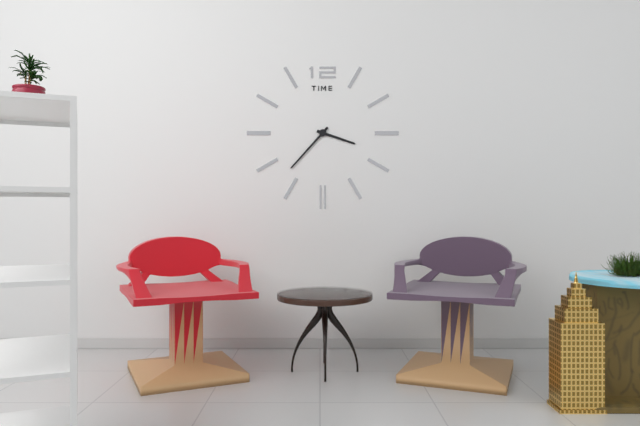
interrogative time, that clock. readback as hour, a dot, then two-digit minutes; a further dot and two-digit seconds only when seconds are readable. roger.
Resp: 3.37
